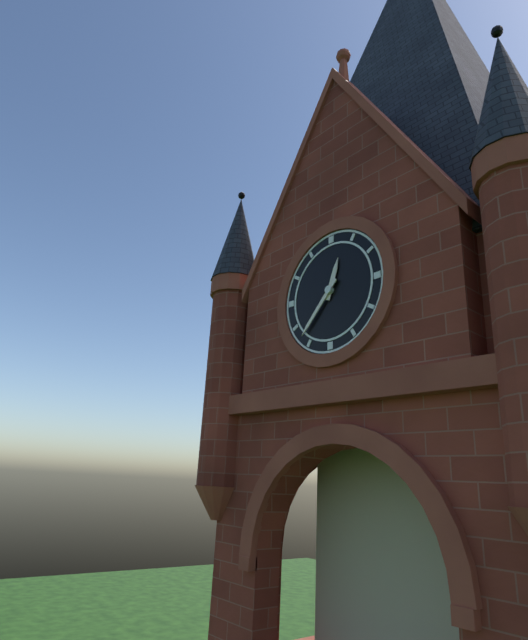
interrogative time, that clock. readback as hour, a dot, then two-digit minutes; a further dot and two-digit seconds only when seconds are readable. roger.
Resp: 12.37
